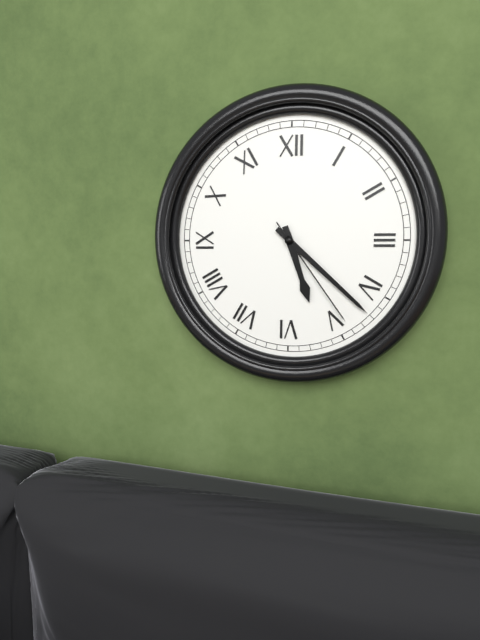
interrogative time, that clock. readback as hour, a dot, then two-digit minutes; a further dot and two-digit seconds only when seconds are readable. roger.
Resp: 5.22.24
